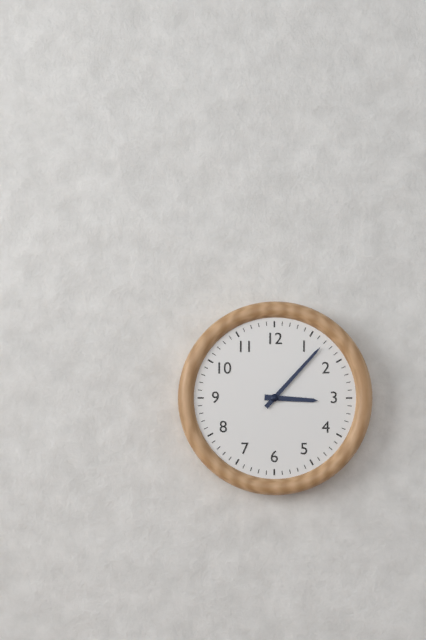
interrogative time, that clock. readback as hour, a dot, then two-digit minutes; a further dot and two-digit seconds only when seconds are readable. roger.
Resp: 3.07
